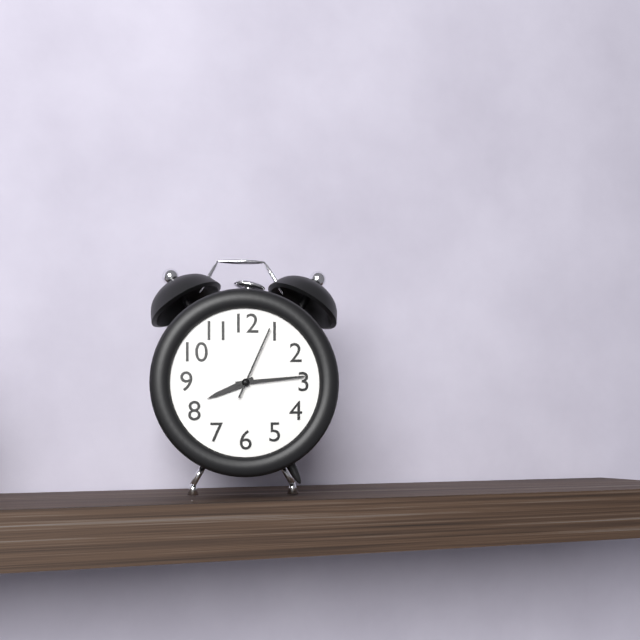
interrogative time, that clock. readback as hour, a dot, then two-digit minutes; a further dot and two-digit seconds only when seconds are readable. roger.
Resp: 8.14.04
